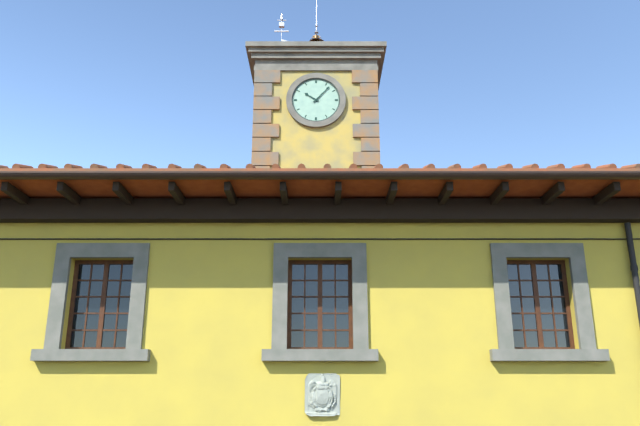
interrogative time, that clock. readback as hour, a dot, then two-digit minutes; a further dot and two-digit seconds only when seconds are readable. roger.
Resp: 10.07
